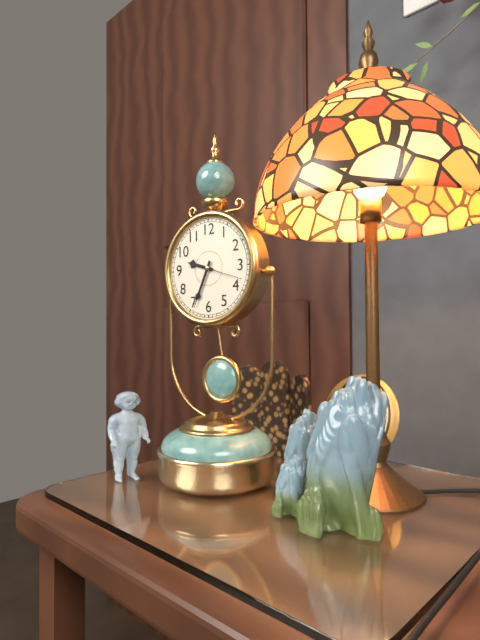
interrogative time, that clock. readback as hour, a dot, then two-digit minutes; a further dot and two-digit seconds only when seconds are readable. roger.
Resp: 9.34
